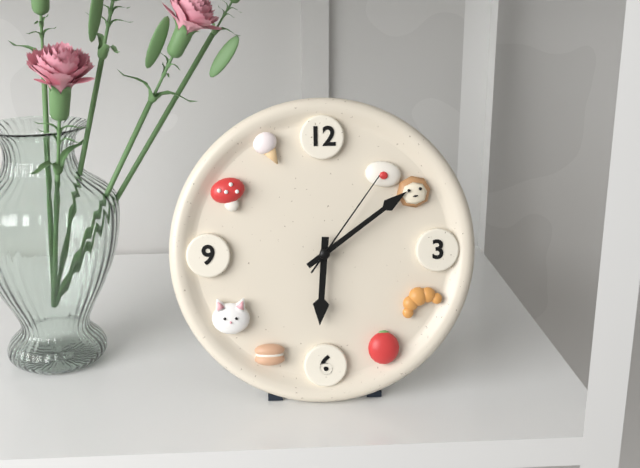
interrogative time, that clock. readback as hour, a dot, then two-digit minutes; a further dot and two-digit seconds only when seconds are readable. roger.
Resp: 6.09.06
